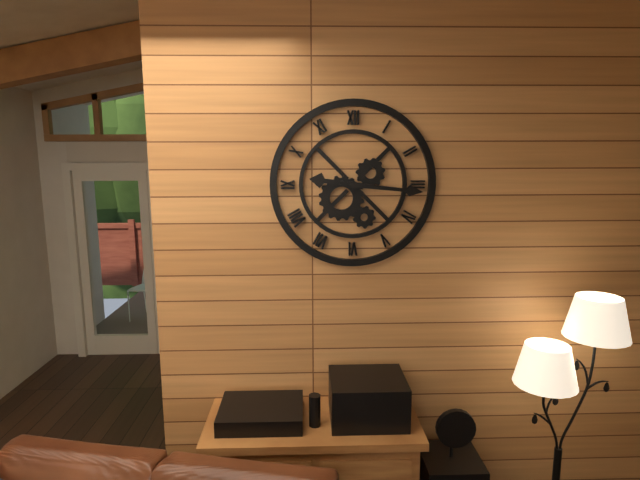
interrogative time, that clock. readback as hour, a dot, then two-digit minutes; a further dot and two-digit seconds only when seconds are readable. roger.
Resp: 9.16
